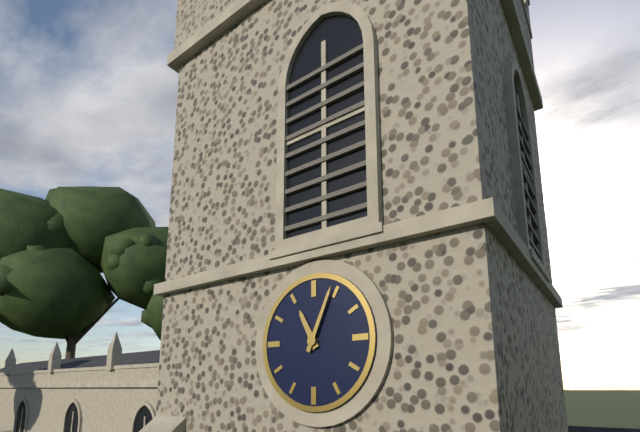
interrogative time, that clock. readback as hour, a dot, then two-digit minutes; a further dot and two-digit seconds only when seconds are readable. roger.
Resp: 11.04
